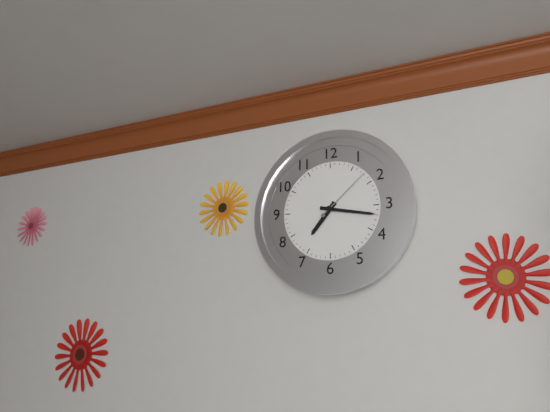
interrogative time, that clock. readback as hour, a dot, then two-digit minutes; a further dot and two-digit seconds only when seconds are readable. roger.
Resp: 7.17.08
